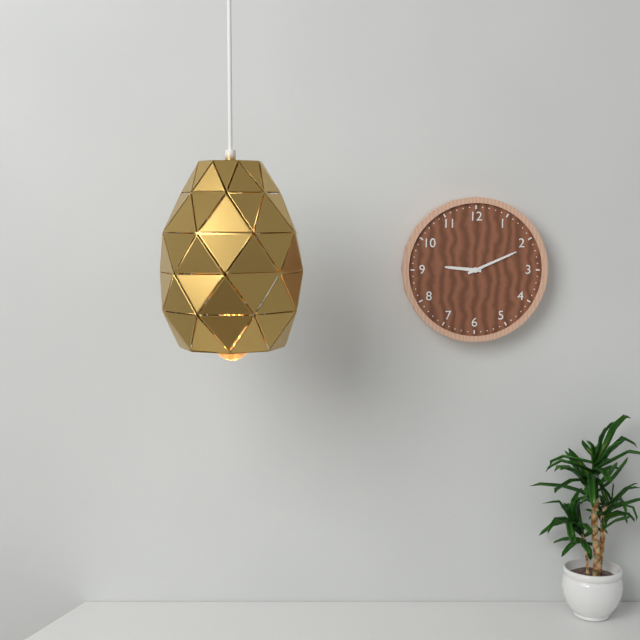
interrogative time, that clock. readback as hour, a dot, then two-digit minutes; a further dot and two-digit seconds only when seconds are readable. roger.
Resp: 9.11
